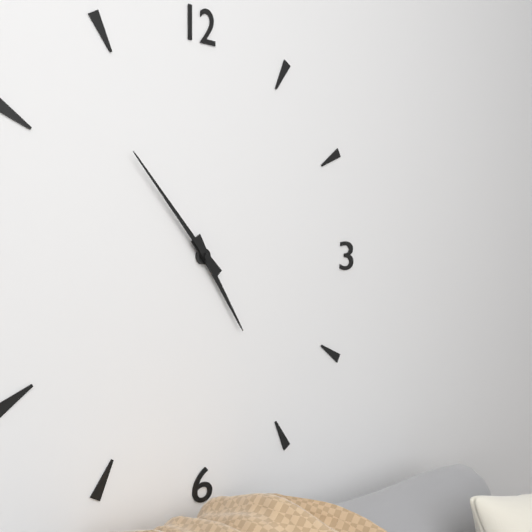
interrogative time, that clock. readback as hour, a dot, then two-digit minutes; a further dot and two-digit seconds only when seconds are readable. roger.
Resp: 4.53
